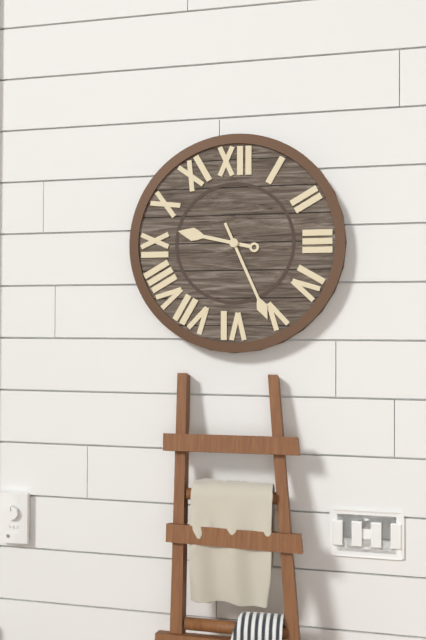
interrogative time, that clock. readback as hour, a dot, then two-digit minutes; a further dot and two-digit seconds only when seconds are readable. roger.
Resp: 9.26
